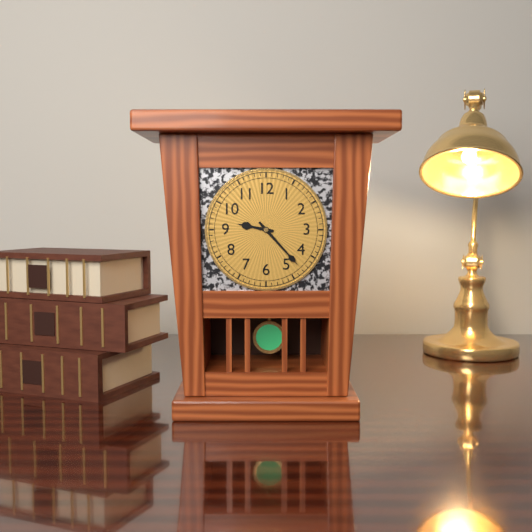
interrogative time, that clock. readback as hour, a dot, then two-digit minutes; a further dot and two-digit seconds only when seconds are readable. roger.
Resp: 9.23
